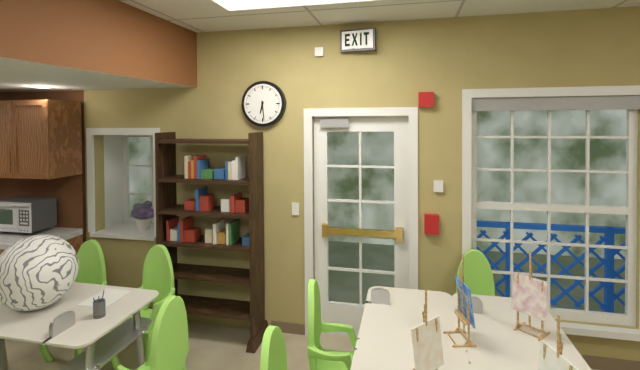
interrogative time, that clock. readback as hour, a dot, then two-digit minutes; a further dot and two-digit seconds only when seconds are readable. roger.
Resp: 6.29
